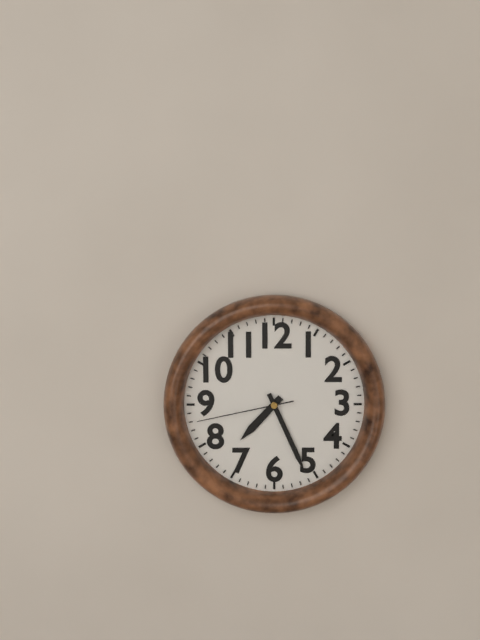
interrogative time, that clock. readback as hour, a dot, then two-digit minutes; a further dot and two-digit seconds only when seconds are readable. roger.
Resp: 7.26.43
